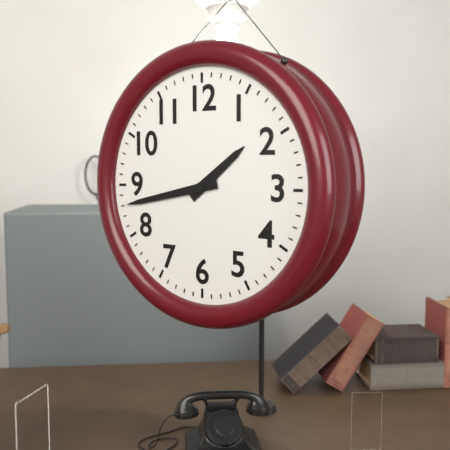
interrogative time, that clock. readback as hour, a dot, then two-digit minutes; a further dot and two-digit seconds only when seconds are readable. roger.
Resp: 1.43
